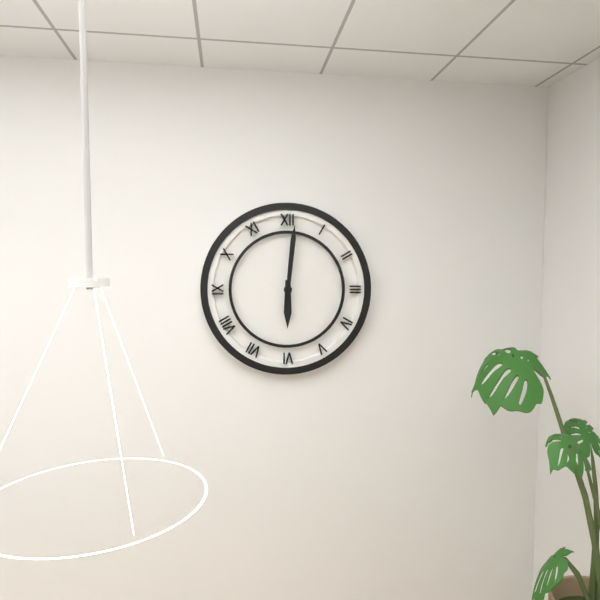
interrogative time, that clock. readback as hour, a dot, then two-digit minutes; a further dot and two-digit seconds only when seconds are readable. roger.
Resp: 6.01
